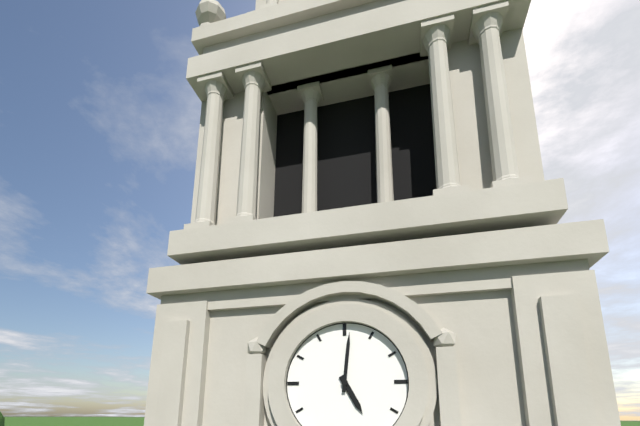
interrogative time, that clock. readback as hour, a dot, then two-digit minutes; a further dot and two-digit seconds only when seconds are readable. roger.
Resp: 5.01
